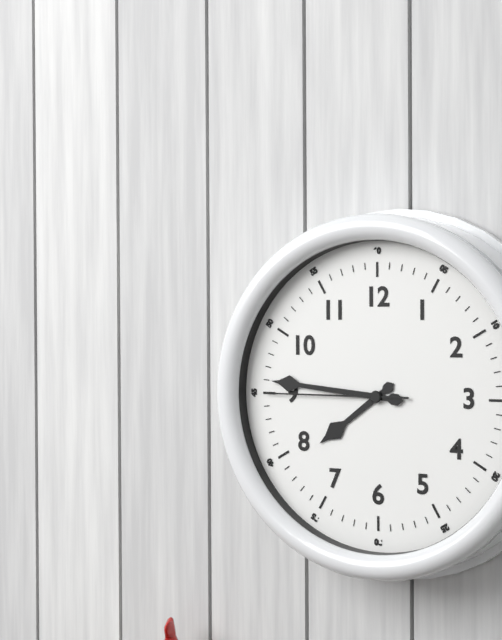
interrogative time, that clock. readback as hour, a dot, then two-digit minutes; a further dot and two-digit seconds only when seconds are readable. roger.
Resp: 7.46.45
